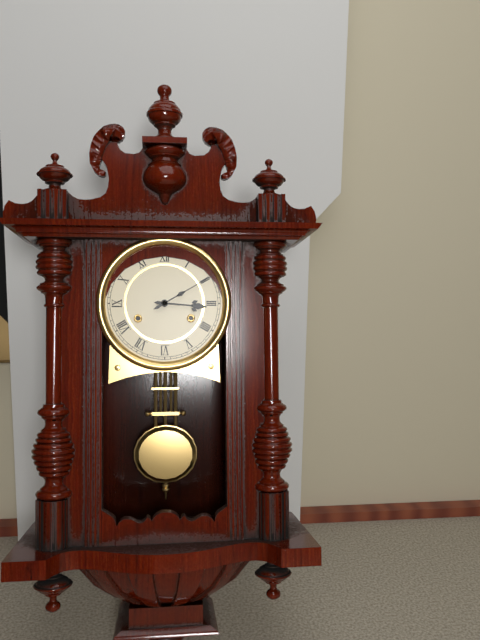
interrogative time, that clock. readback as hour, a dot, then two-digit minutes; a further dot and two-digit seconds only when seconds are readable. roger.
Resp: 3.10
